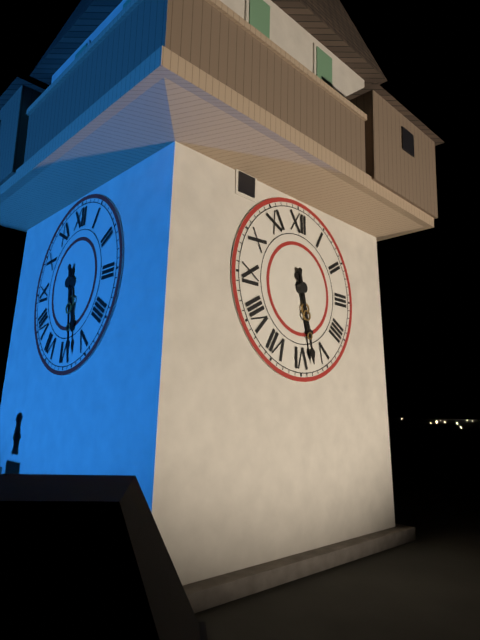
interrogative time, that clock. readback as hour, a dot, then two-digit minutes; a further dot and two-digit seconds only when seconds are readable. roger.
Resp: 5.28
